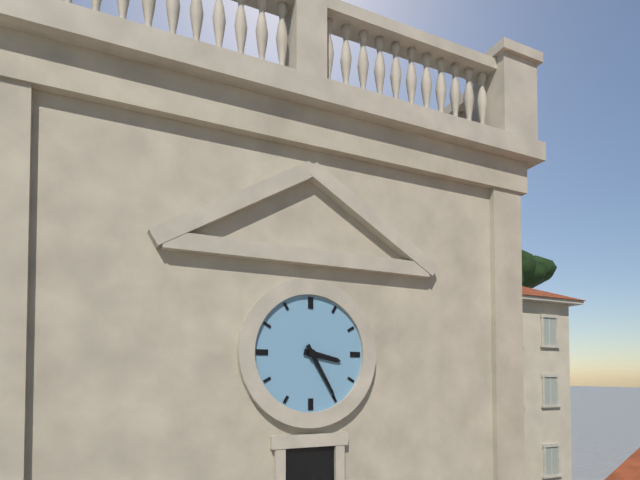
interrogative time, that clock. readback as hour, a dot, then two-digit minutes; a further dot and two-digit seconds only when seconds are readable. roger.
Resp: 3.25
